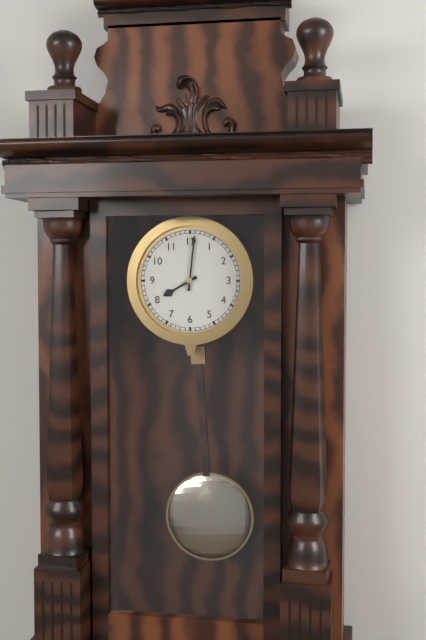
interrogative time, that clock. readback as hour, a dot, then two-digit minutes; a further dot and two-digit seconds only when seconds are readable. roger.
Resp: 8.01
